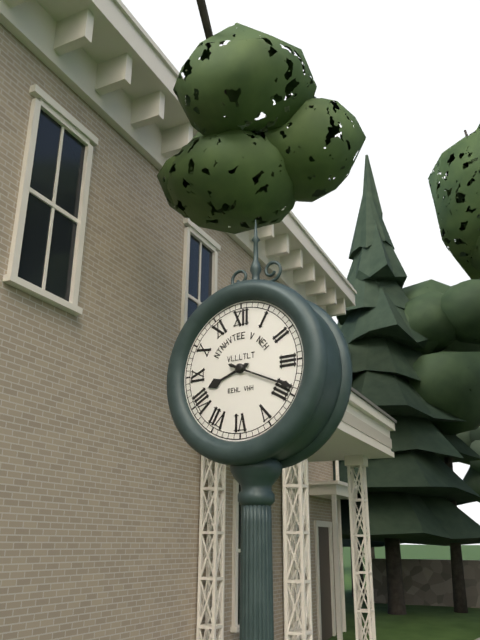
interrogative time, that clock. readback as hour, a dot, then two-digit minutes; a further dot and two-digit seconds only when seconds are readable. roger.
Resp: 8.19
